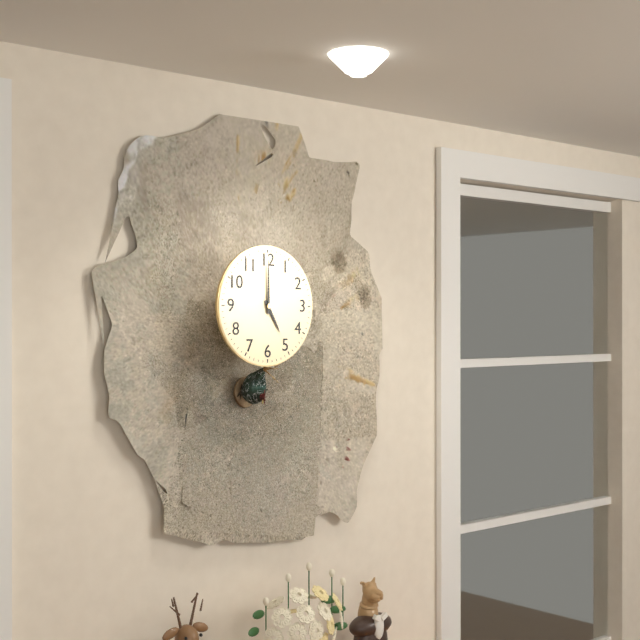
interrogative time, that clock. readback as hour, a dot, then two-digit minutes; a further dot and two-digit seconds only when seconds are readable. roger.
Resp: 5.00
